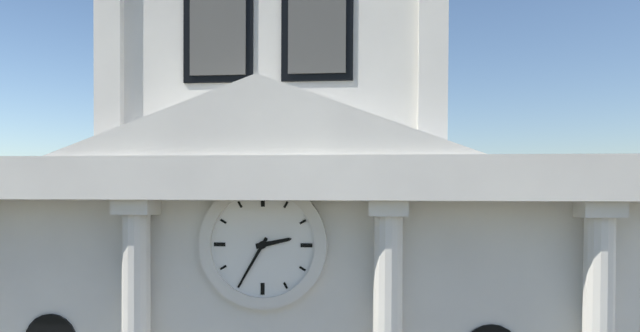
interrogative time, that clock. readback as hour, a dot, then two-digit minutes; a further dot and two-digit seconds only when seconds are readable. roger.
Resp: 2.35
